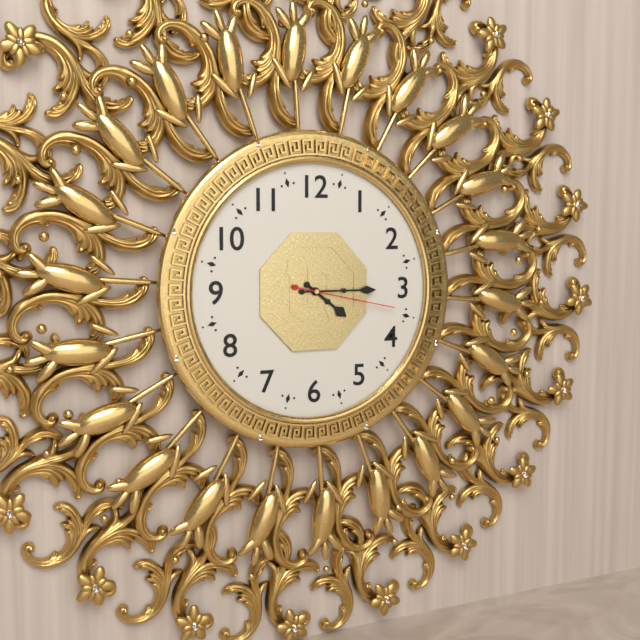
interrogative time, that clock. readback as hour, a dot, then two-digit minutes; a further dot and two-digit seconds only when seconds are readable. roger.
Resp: 4.15.17
